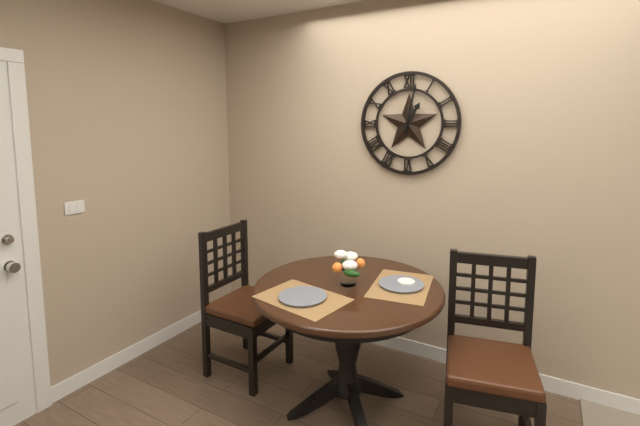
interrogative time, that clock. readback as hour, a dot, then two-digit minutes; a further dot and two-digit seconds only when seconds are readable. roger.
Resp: 1.02
